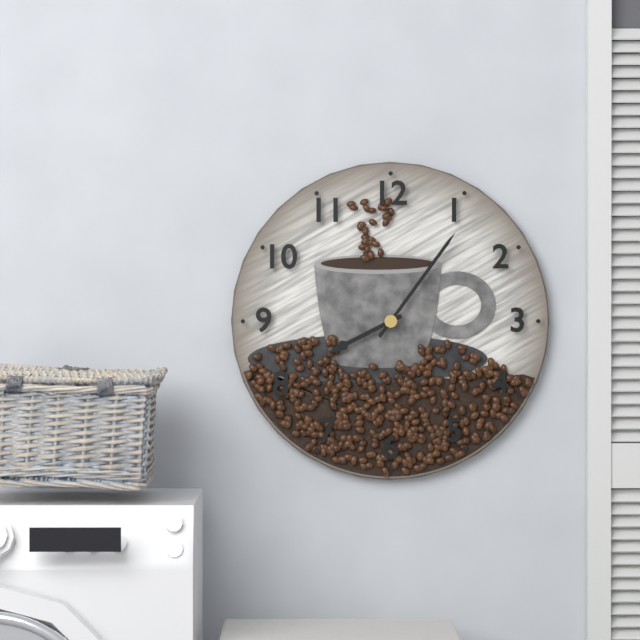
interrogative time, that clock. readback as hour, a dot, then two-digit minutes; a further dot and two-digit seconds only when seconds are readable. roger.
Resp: 8.06
